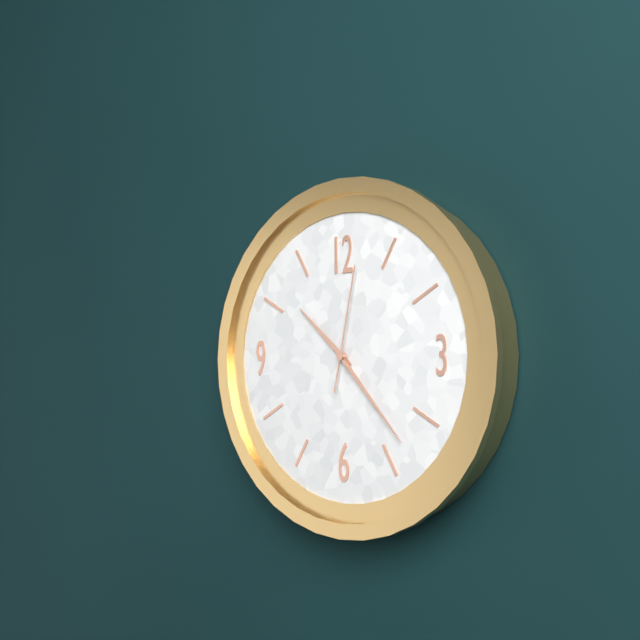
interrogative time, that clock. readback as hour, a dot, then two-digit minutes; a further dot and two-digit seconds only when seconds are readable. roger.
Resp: 10.23.02
